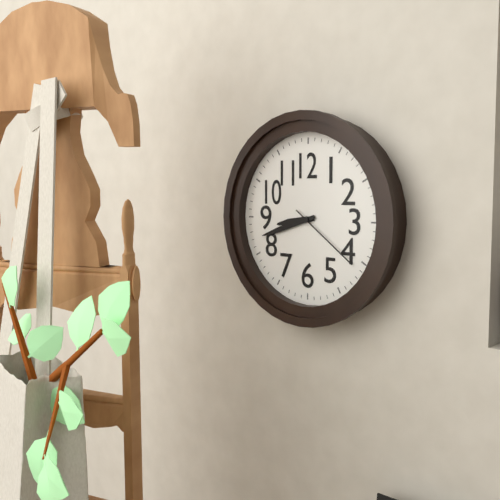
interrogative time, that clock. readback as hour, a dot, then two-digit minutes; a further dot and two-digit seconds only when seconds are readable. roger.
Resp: 8.42.21
